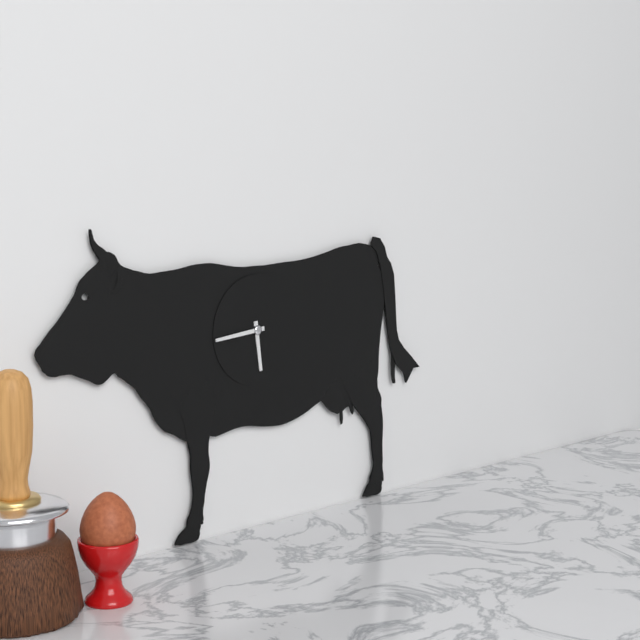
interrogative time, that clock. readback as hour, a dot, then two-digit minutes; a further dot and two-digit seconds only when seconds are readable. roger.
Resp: 5.44
